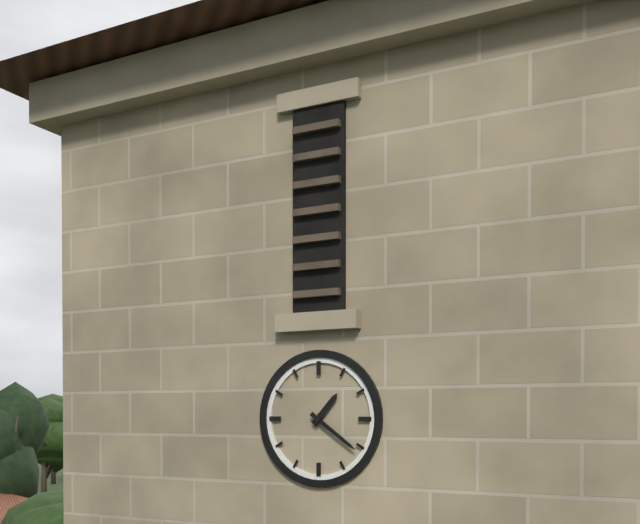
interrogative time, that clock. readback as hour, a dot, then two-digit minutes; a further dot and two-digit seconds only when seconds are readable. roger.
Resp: 1.21
